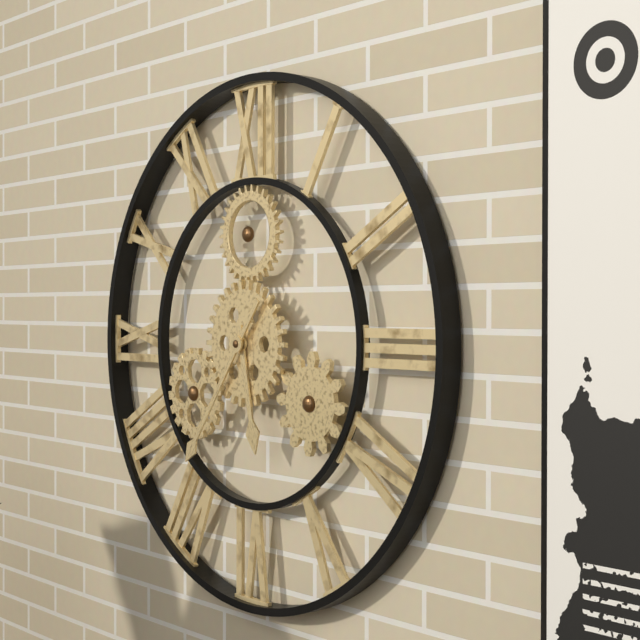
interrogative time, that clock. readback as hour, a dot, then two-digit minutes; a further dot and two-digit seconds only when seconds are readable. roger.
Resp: 5.36
